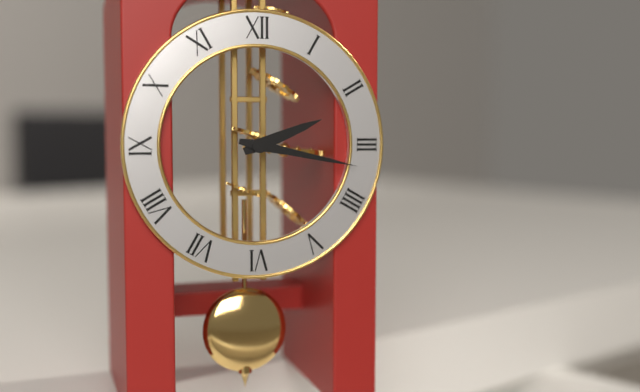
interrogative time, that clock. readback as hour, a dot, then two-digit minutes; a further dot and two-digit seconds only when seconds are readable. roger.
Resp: 2.17
